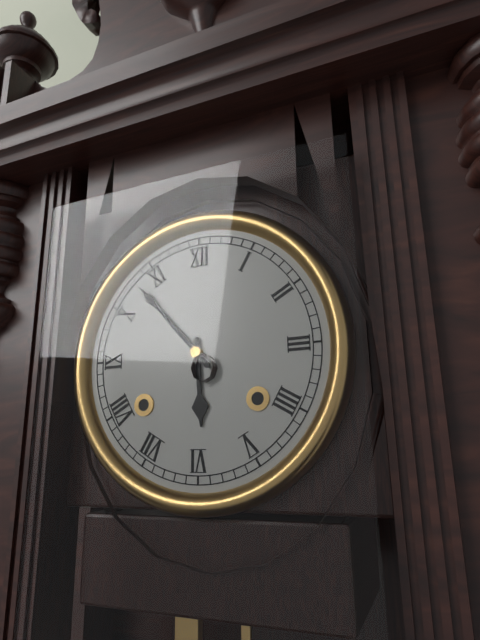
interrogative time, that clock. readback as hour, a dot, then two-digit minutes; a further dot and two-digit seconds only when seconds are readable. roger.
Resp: 5.53
